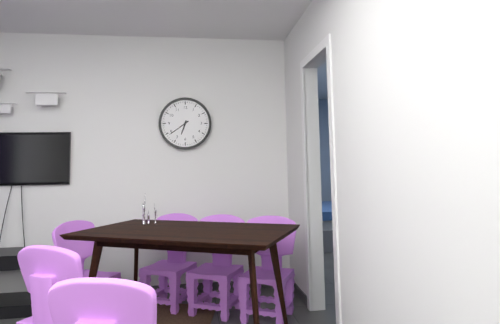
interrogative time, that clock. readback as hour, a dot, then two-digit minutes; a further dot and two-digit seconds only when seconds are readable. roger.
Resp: 6.39
